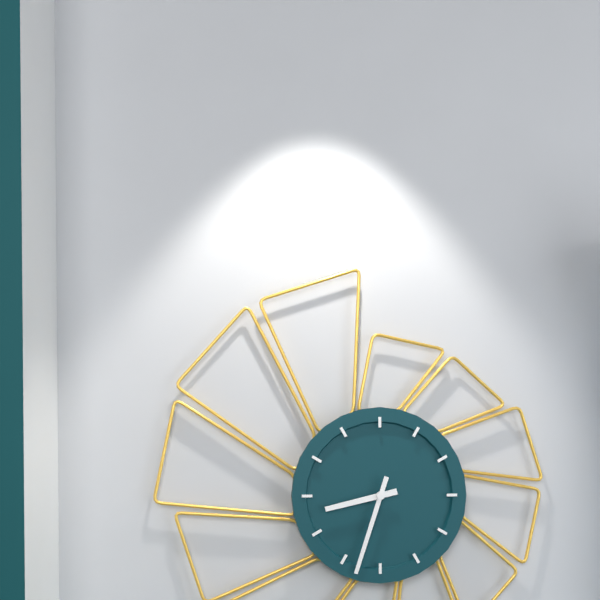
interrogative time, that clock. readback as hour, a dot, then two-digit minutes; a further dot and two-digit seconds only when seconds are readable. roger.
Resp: 8.33
